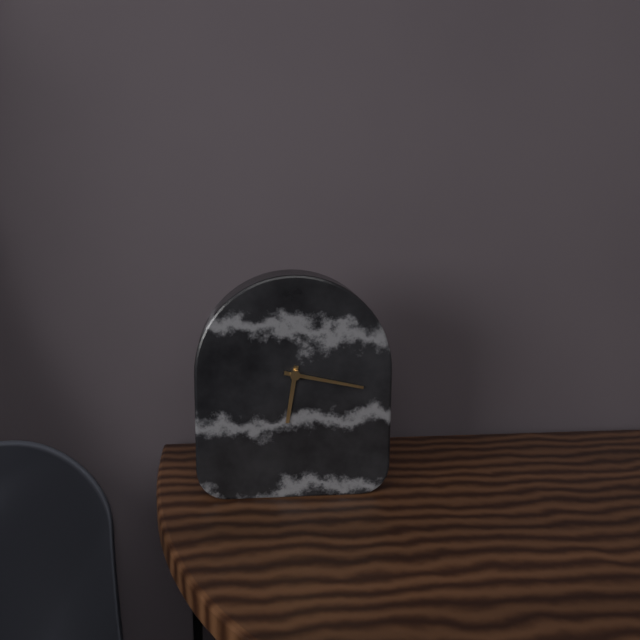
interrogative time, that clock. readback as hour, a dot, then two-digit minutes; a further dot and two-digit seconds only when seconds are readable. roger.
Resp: 6.17
